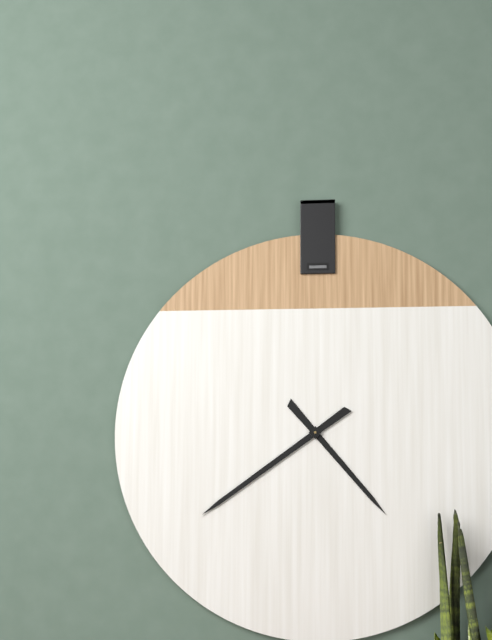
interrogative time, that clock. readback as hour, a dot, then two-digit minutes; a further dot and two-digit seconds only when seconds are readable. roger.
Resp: 4.39
